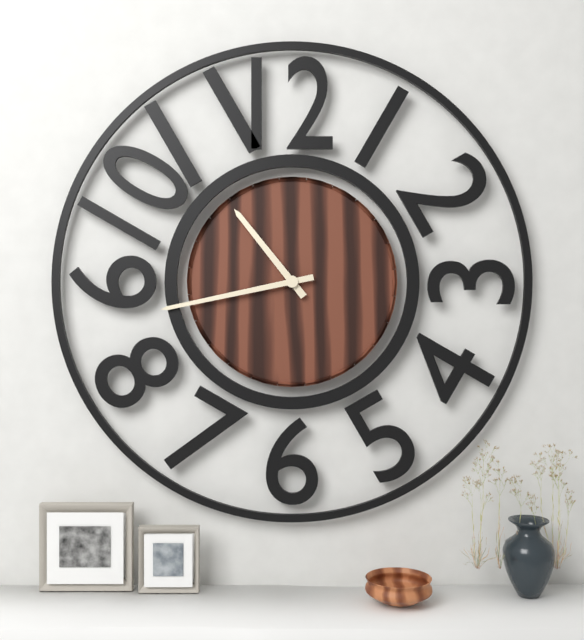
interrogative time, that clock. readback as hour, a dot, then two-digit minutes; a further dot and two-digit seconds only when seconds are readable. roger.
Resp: 10.43
